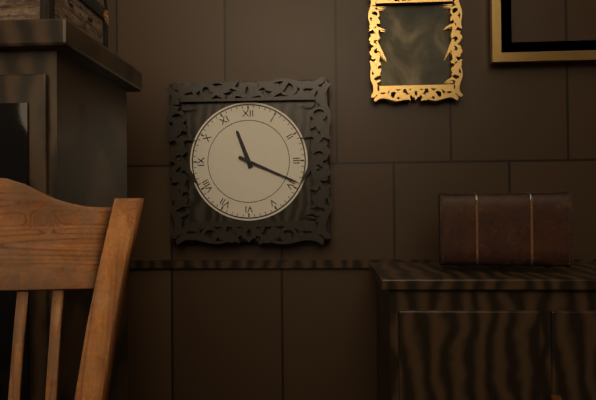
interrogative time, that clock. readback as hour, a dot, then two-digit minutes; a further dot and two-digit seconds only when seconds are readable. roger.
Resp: 11.19
